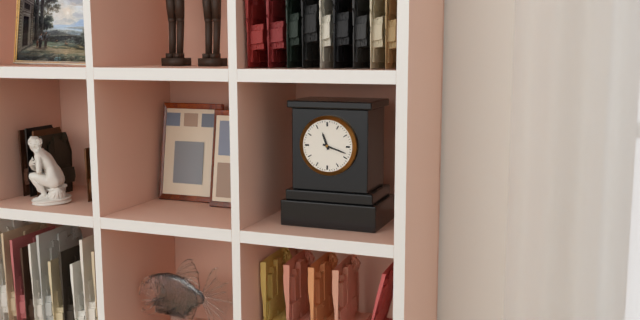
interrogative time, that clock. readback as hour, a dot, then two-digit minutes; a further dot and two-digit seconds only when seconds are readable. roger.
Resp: 11.18
